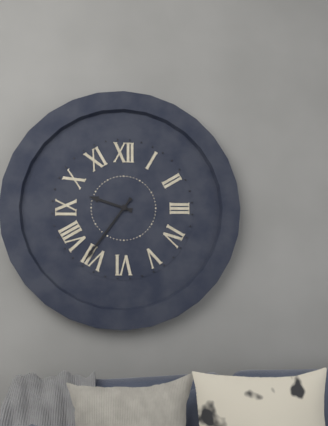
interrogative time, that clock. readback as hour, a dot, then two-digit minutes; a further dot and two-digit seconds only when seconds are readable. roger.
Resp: 9.36
